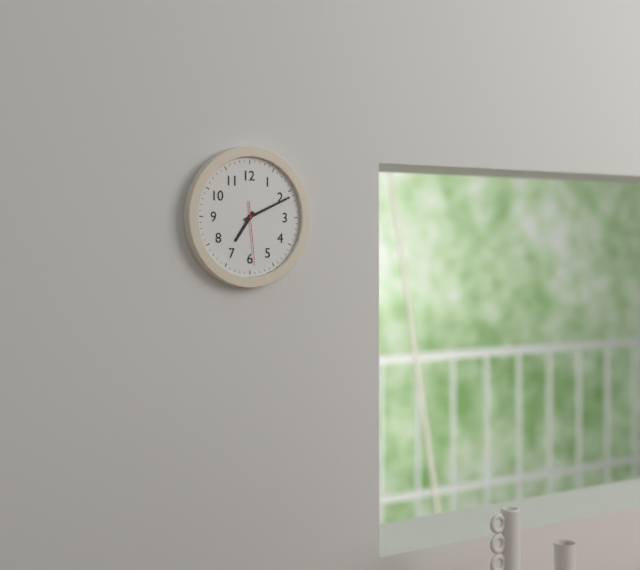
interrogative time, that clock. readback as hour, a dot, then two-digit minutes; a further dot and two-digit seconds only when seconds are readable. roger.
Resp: 7.11.29
